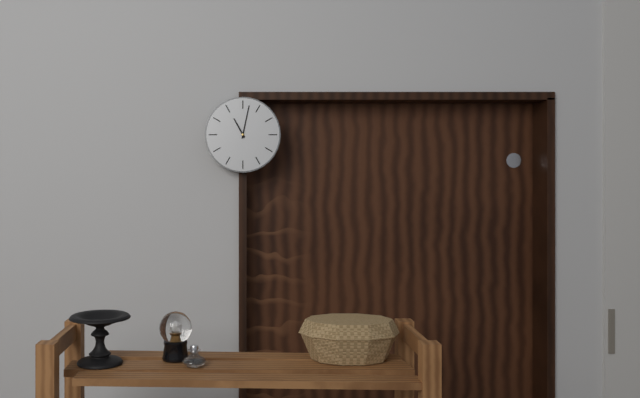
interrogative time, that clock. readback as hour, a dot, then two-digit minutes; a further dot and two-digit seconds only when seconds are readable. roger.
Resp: 11.02
